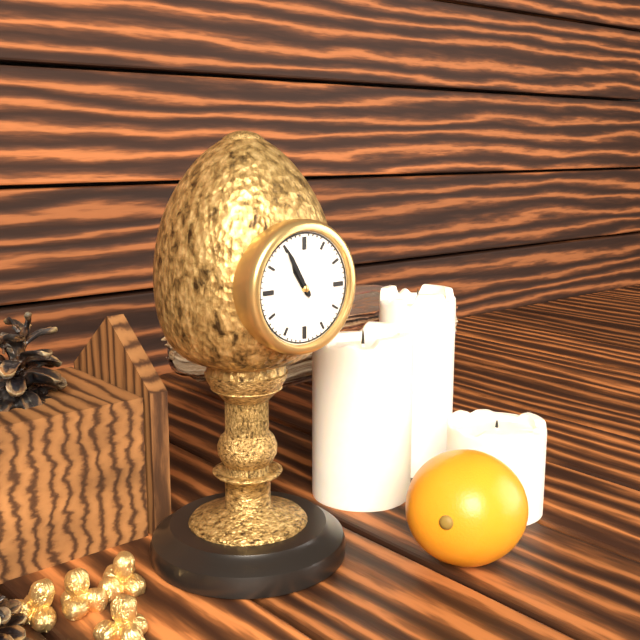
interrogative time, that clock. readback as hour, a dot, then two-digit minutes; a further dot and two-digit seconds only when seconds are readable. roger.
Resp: 10.55
